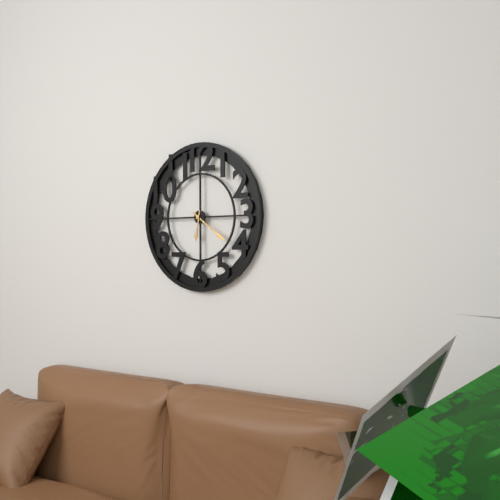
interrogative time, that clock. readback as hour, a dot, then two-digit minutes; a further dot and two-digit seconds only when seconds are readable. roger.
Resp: 6.21
